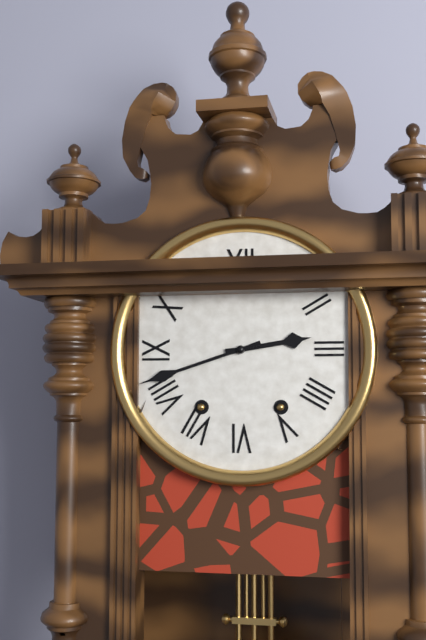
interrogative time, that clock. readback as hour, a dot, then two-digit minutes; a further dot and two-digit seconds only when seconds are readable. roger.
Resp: 2.42
